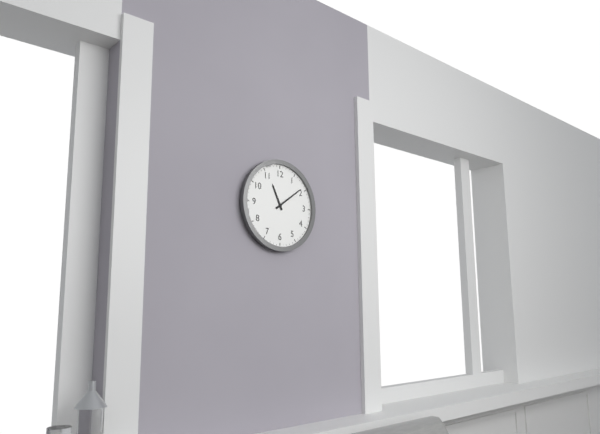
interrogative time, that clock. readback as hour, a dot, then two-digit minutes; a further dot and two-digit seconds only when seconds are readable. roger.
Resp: 11.09
